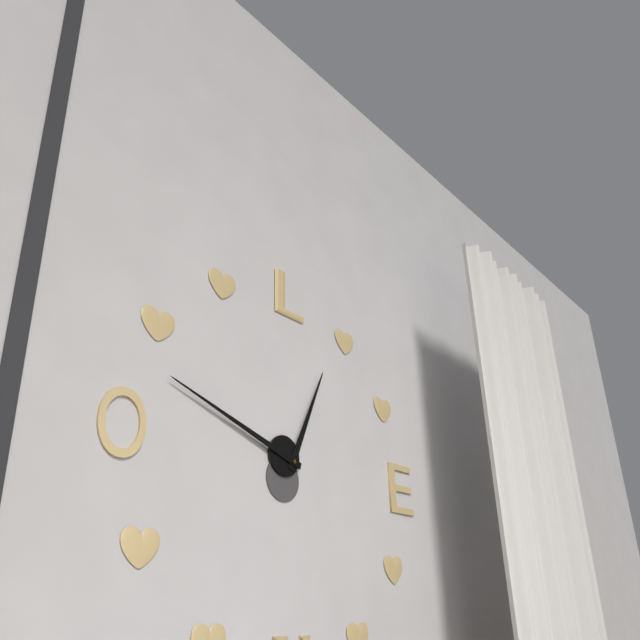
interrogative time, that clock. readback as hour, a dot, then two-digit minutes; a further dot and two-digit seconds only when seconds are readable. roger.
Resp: 12.48
